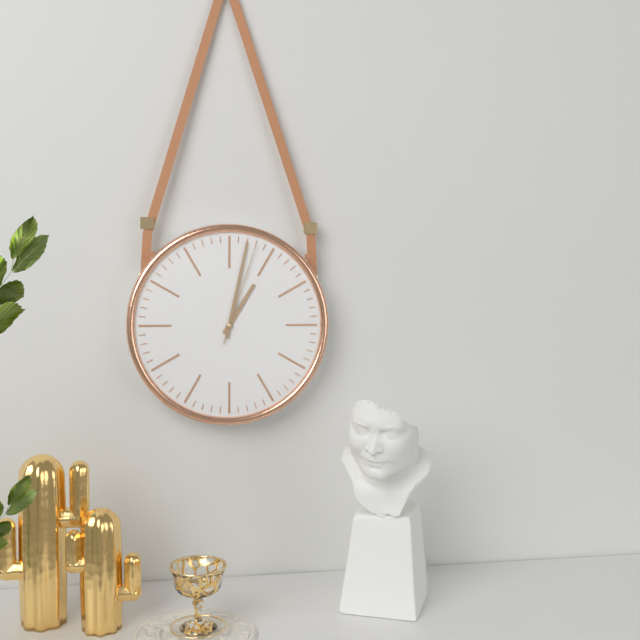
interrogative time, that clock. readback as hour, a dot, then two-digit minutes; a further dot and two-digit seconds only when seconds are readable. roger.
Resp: 1.02.03
